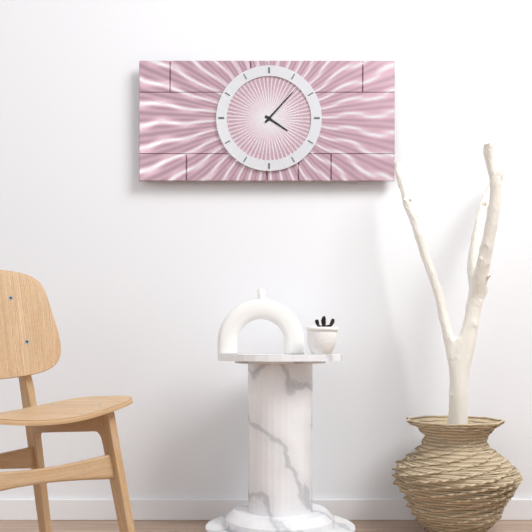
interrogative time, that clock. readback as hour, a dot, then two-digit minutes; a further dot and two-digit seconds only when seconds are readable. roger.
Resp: 4.07
